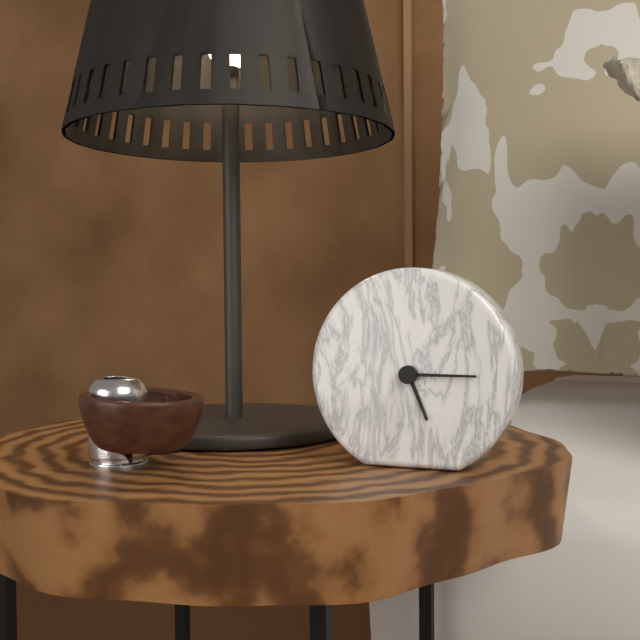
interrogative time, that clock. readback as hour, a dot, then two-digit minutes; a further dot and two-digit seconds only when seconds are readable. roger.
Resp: 5.15
